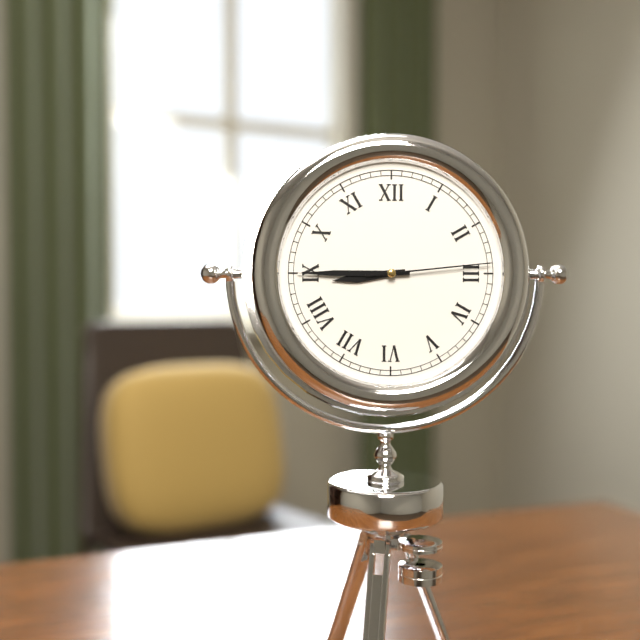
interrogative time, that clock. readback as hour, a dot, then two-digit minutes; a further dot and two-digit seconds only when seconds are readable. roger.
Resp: 8.45.14
